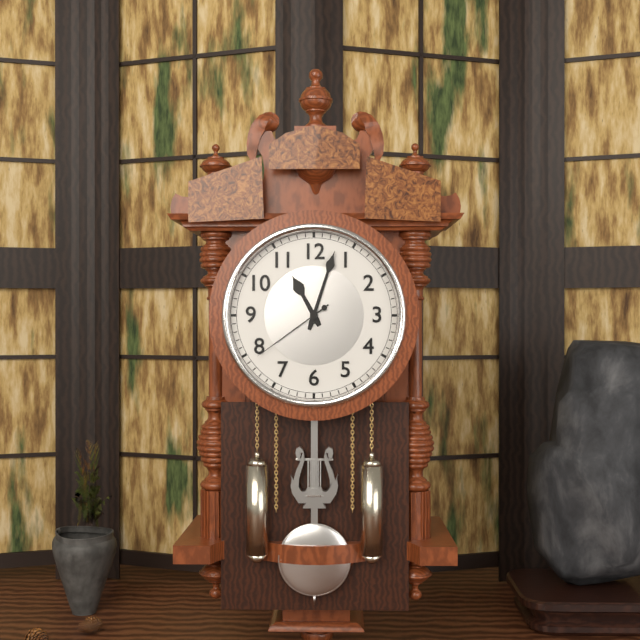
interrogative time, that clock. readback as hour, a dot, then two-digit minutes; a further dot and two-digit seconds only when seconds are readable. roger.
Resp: 11.03.39
